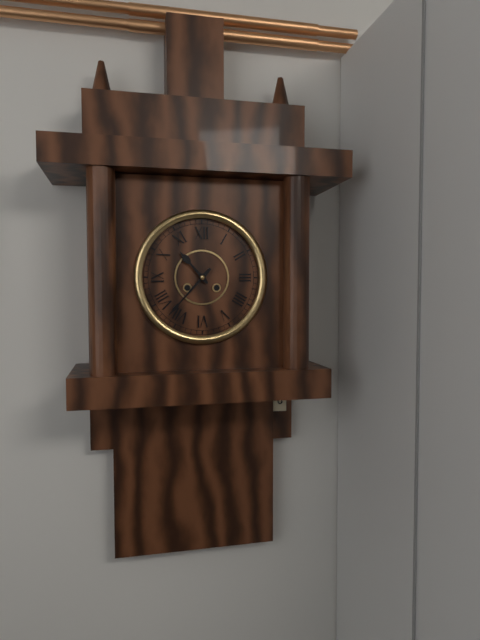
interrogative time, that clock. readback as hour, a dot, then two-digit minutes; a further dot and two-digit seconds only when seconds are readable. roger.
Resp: 10.37
